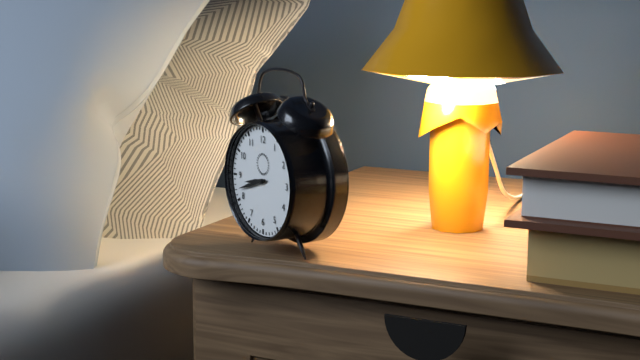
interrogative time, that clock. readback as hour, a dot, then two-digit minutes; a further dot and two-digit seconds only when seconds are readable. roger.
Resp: 8.42
